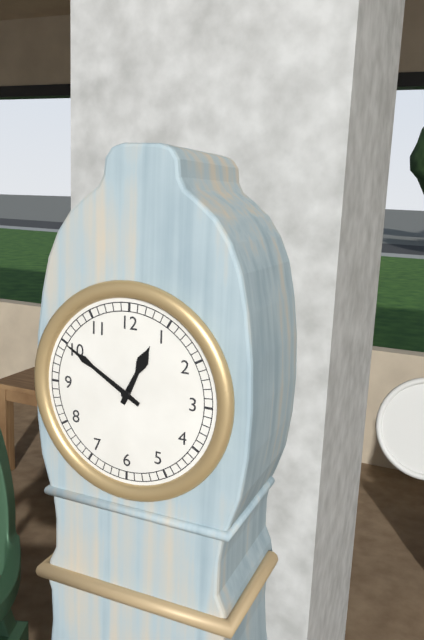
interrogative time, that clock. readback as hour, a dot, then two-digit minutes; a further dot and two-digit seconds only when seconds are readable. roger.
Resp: 12.50
